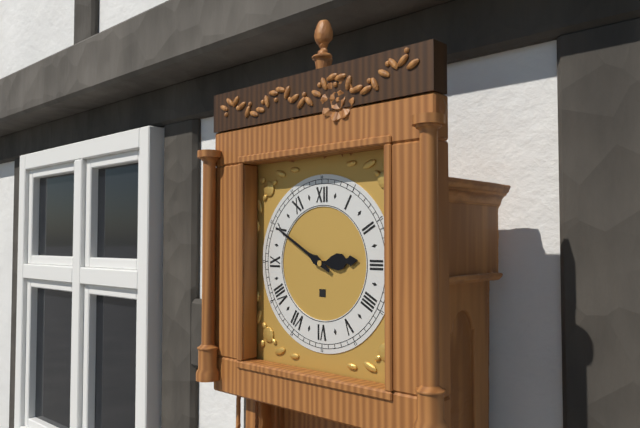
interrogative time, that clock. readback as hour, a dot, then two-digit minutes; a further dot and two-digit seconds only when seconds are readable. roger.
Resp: 2.50
